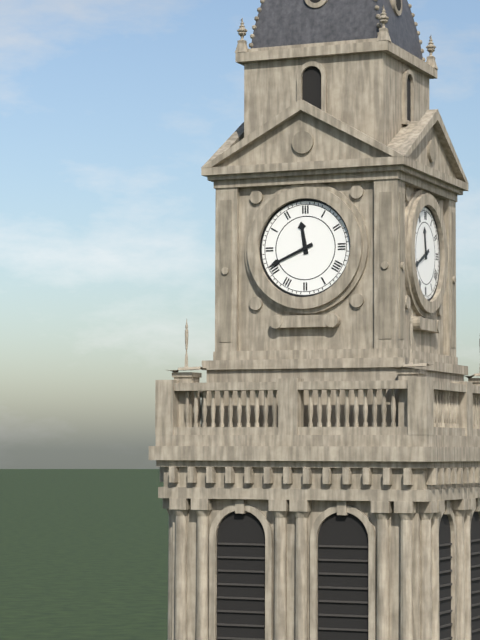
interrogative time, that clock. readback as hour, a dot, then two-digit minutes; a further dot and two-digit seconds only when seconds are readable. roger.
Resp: 11.41
